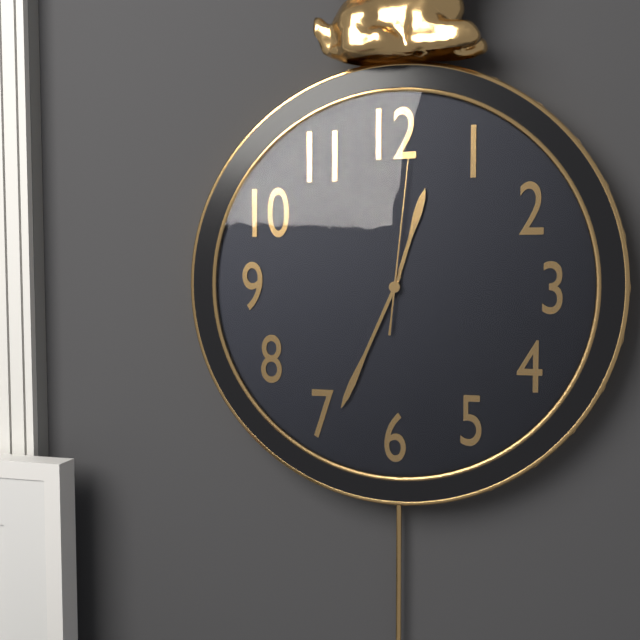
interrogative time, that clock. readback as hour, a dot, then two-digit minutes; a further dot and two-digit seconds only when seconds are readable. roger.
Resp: 12.34.01
